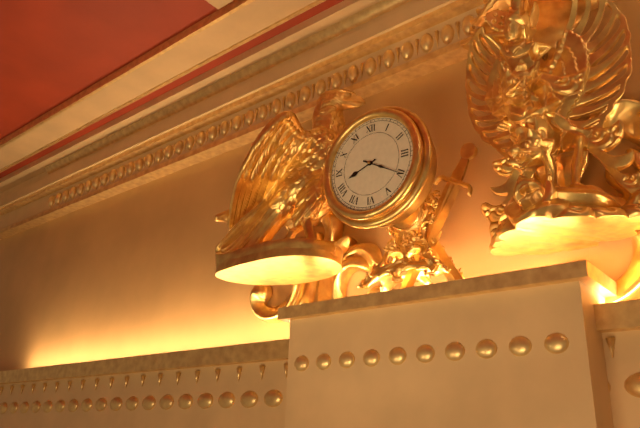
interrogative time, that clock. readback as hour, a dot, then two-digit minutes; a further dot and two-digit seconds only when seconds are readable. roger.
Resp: 8.20
